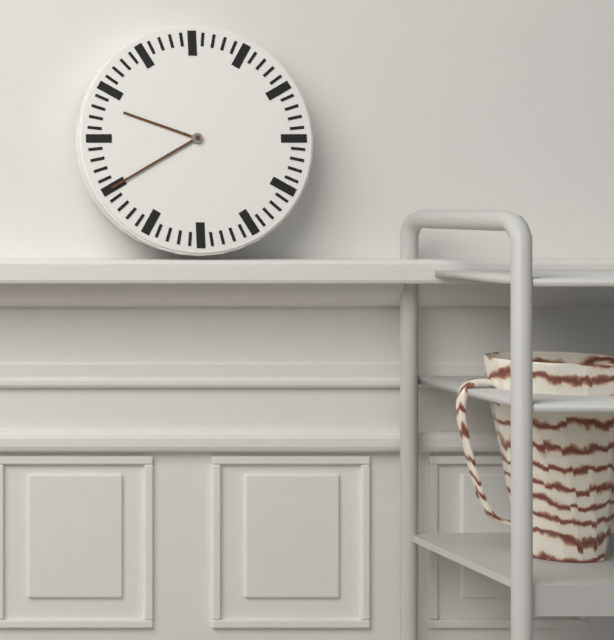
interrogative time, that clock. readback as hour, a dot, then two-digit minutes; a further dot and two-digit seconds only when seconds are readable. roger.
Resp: 9.40
